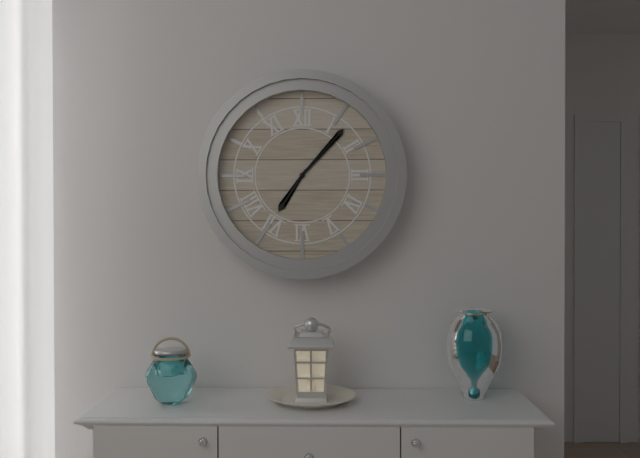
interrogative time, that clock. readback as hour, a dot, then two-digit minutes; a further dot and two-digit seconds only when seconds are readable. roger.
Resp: 7.07
